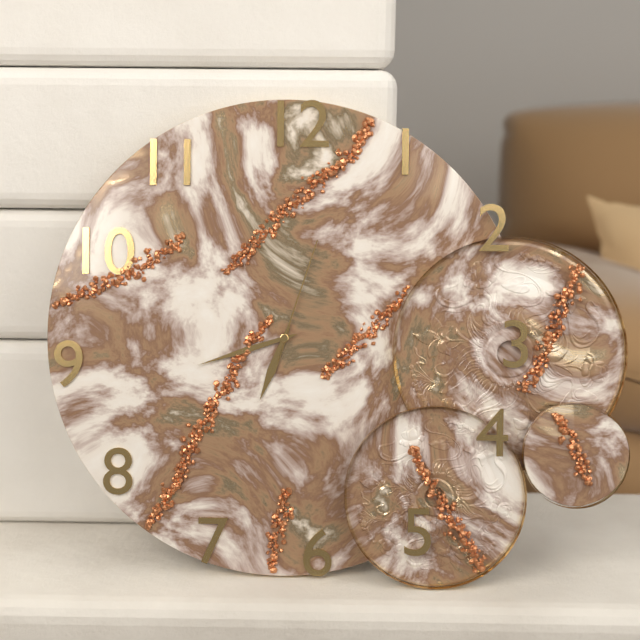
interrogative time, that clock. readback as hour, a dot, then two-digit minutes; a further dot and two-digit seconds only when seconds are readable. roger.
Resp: 6.42.03
